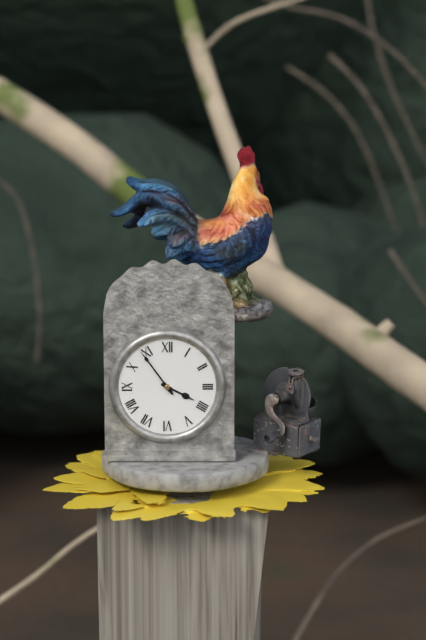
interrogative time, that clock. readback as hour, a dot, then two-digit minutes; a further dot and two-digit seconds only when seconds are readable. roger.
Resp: 3.54
